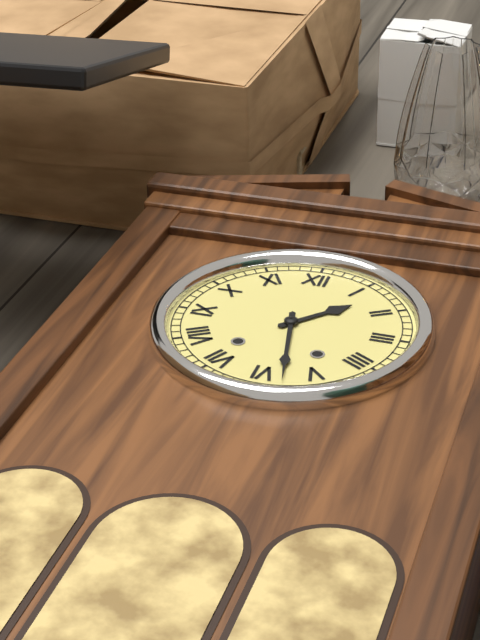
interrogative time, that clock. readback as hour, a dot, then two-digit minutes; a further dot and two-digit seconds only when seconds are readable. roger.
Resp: 1.28
